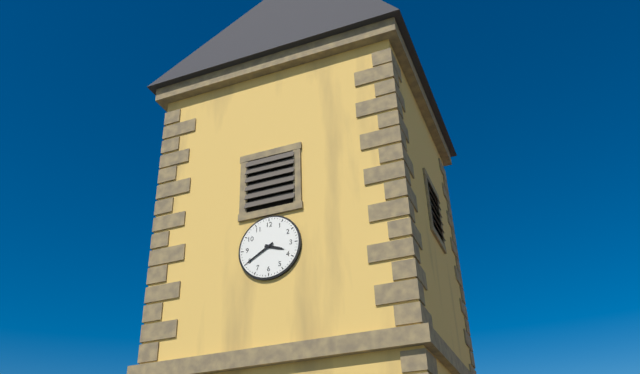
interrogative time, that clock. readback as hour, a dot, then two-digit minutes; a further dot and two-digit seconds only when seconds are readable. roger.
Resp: 3.40
